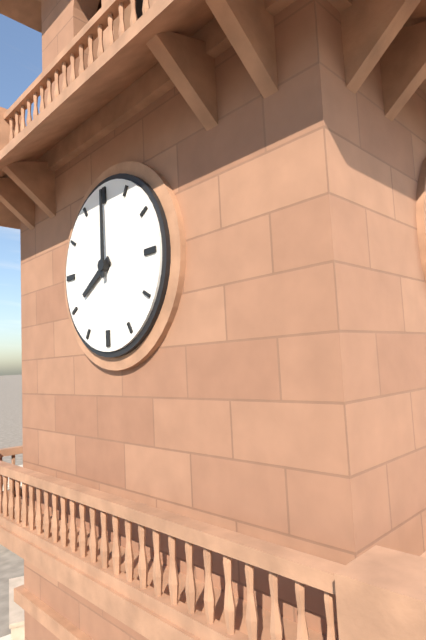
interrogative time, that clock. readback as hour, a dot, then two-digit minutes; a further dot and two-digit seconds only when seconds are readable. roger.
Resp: 8.00
